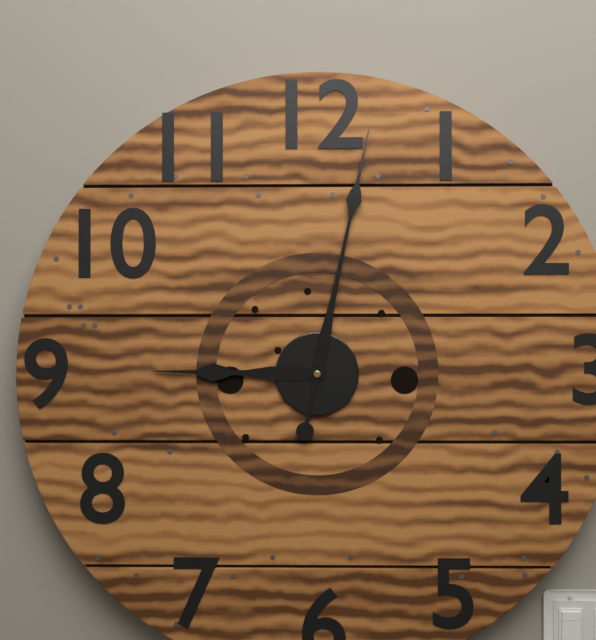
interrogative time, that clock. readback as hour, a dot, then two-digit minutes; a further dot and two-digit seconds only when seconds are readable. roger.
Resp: 9.02
